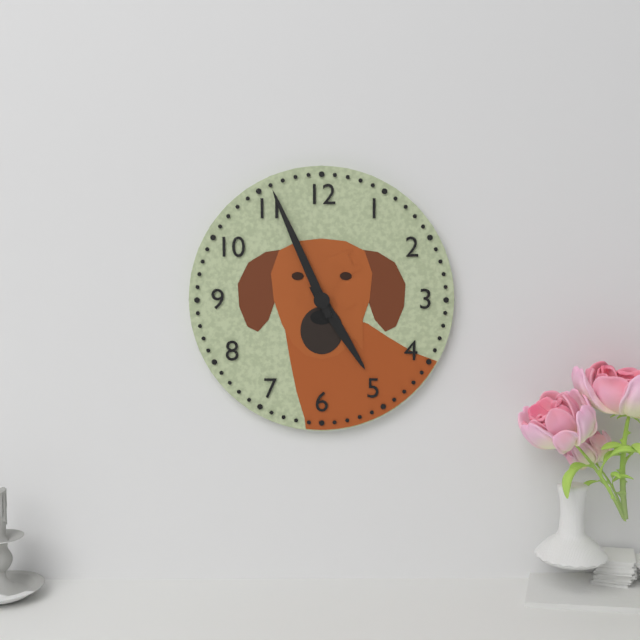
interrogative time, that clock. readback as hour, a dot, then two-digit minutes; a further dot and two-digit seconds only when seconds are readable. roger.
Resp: 4.56
